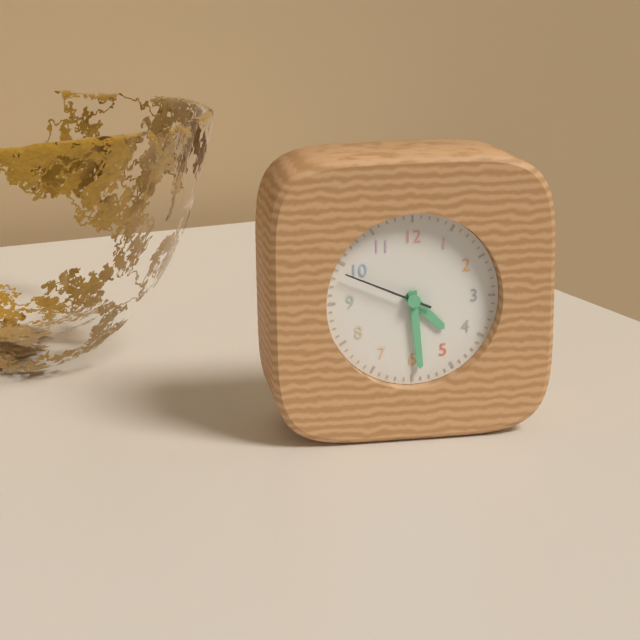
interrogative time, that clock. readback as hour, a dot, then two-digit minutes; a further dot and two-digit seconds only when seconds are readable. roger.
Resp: 4.29.49
